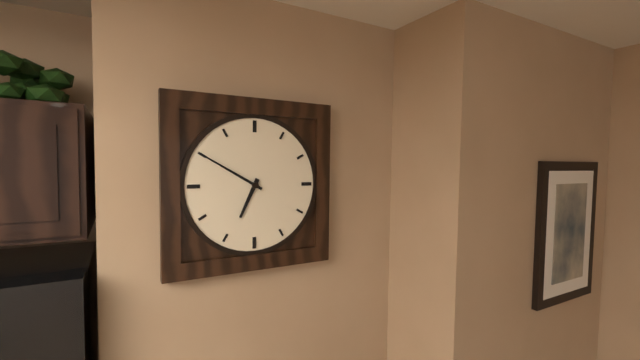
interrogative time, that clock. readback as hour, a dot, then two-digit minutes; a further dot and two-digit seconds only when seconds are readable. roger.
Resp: 6.50
